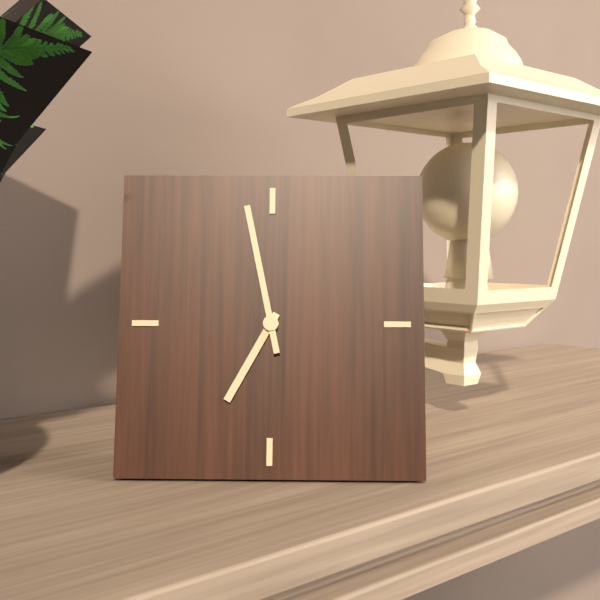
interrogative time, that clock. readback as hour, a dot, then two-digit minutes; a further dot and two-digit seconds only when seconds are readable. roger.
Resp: 6.58
